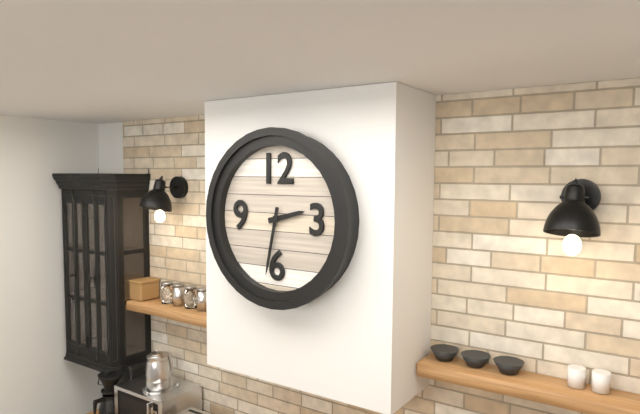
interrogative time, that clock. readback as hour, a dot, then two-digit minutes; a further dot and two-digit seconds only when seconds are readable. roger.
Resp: 2.32
